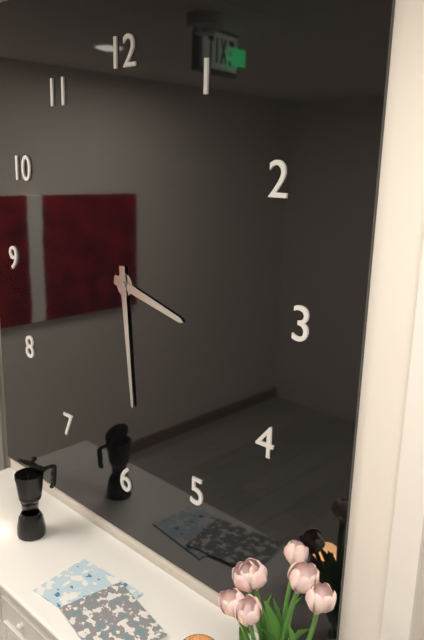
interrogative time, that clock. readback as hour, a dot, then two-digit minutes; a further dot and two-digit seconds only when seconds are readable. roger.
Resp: 3.29
